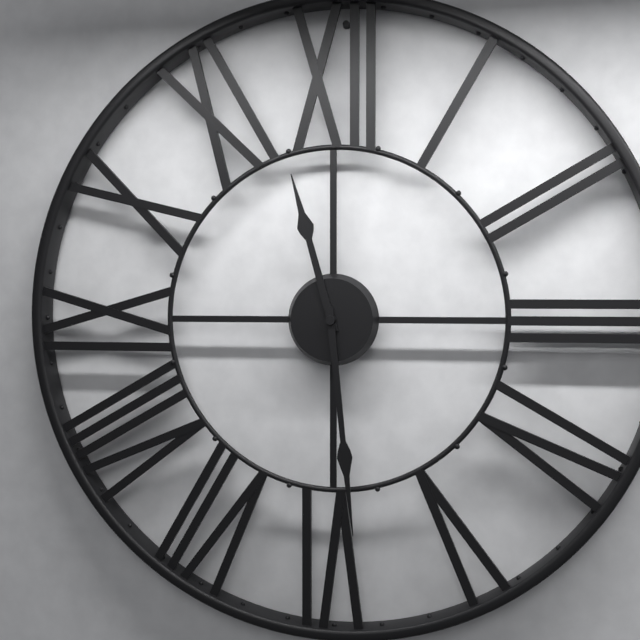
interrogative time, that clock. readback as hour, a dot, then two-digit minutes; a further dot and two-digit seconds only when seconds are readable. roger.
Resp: 11.29
